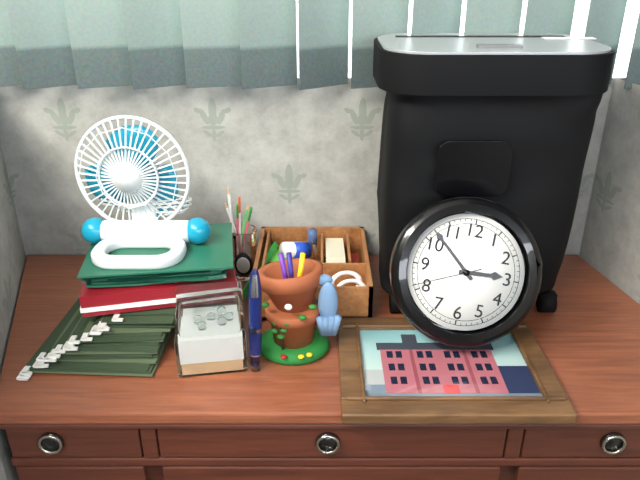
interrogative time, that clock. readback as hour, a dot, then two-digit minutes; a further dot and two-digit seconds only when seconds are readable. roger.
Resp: 2.52.41
